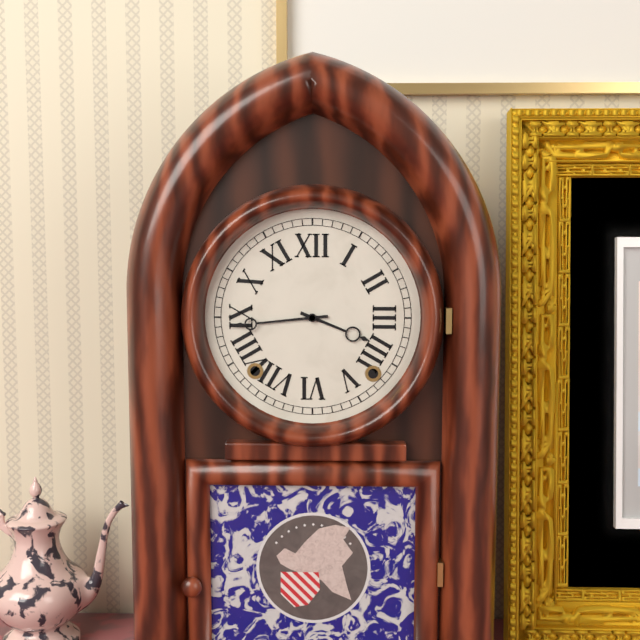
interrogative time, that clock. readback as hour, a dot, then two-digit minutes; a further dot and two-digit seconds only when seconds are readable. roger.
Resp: 3.44
